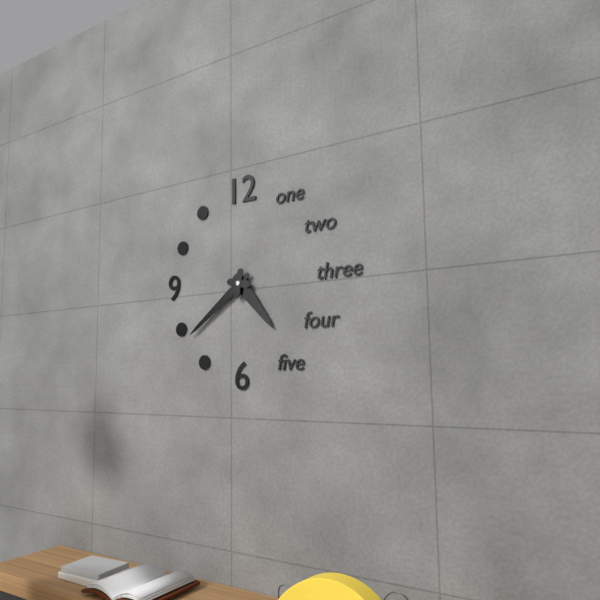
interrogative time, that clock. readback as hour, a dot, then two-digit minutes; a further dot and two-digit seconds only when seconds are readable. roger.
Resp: 4.39
